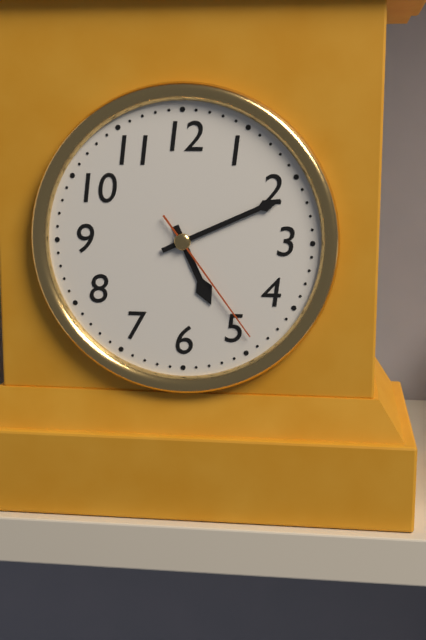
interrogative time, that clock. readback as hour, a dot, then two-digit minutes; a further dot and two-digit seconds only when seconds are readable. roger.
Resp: 5.11.24
